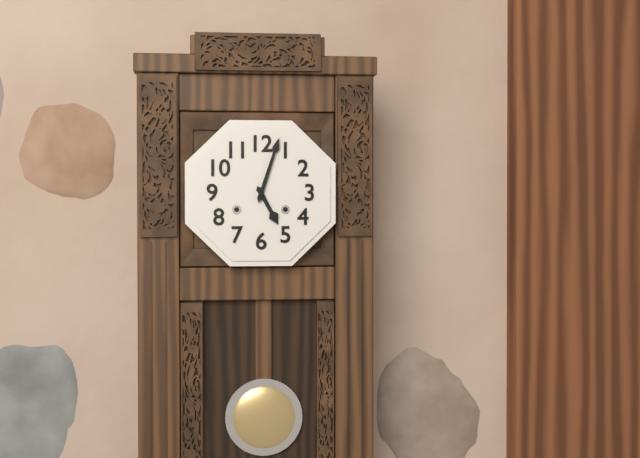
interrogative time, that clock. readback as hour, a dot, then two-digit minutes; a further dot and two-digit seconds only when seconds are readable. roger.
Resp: 5.03
